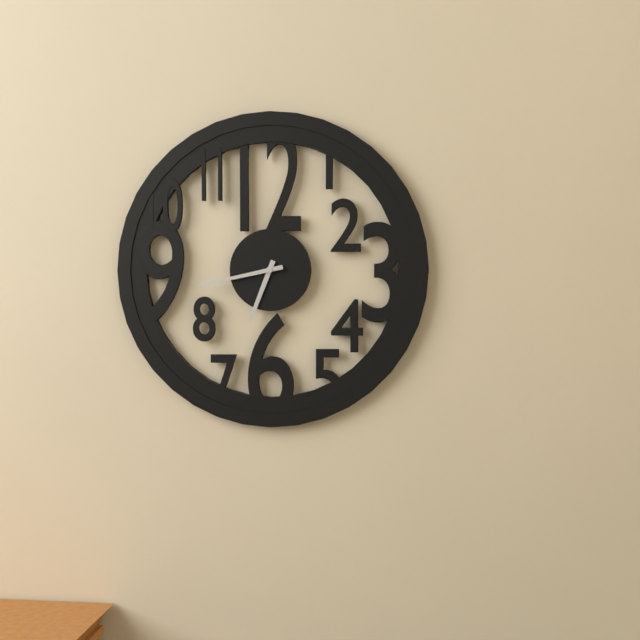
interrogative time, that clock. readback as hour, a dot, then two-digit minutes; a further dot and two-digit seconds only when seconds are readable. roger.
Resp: 6.43
